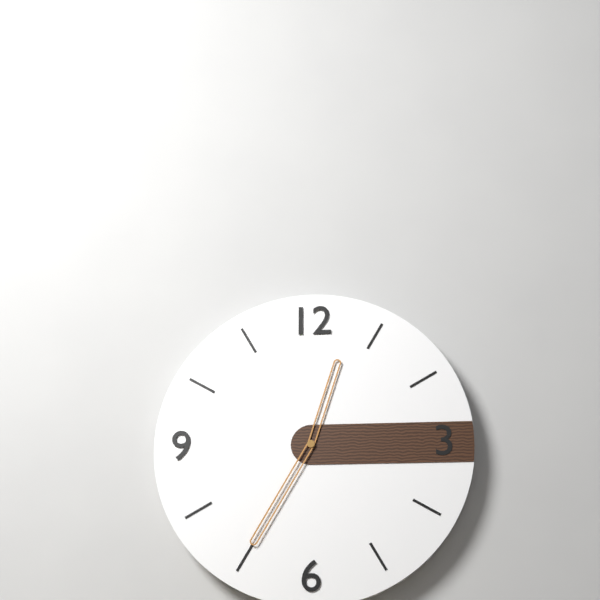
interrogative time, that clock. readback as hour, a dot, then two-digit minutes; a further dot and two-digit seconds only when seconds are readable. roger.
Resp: 12.35
